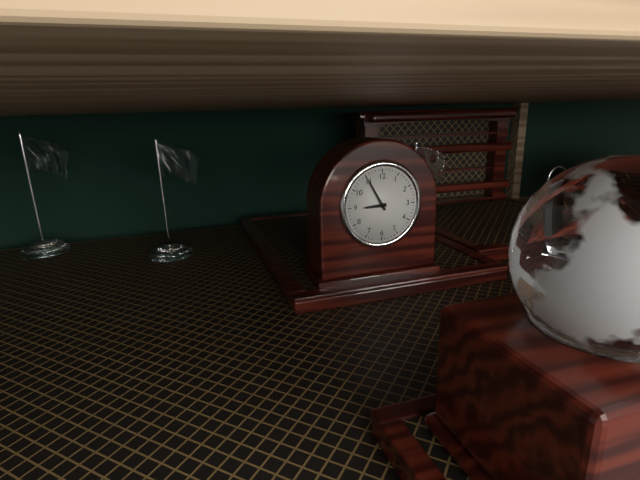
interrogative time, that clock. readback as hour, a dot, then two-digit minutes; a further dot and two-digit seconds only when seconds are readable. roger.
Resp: 8.55
